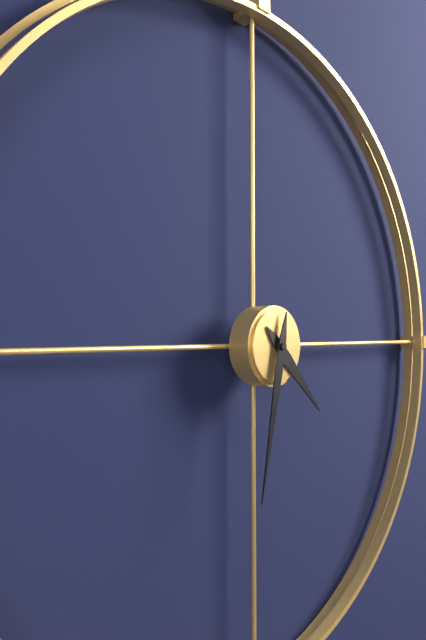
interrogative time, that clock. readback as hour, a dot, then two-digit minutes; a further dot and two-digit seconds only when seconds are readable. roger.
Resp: 4.32
